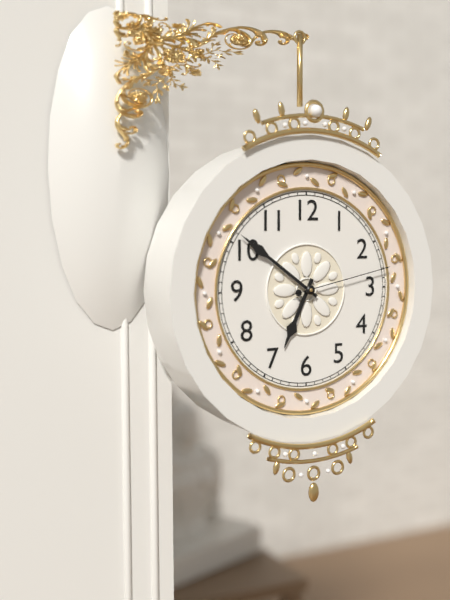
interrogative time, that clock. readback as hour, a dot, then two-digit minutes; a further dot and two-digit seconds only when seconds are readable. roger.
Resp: 6.51.13
